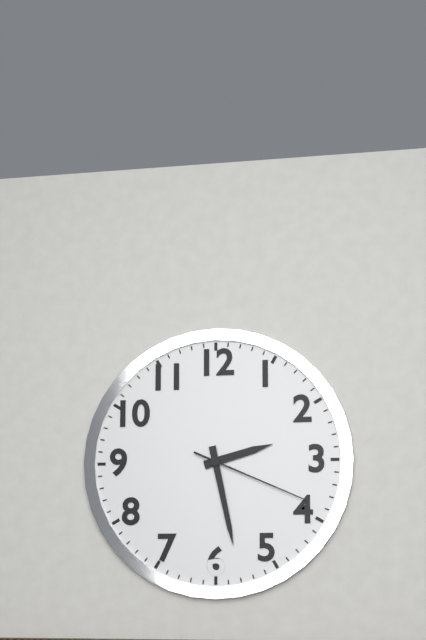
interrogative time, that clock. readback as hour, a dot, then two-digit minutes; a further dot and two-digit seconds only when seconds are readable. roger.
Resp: 2.28.19
